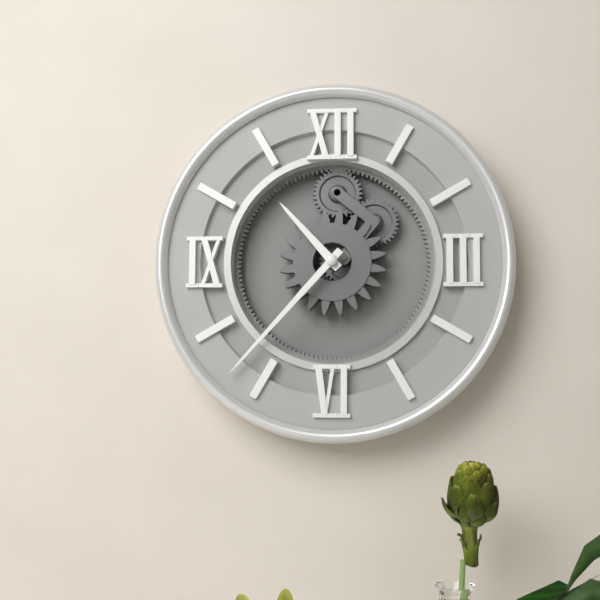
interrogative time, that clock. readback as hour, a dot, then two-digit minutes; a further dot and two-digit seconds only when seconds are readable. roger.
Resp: 10.37
